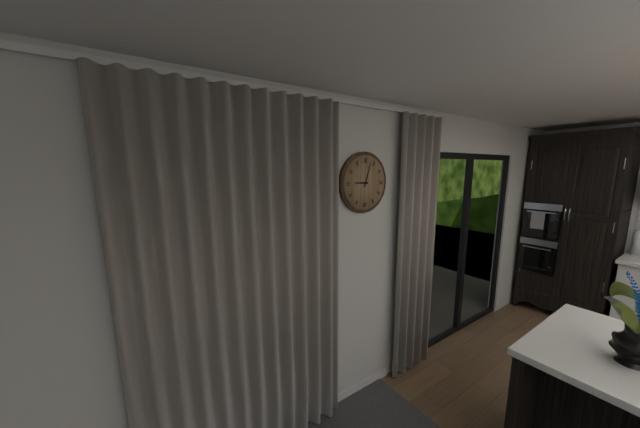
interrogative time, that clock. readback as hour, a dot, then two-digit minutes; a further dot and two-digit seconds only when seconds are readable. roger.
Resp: 9.03
